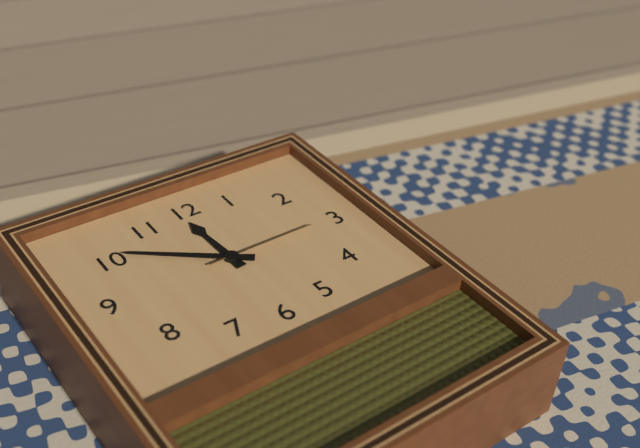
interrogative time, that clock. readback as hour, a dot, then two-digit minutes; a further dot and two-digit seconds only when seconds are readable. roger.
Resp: 11.51.15
